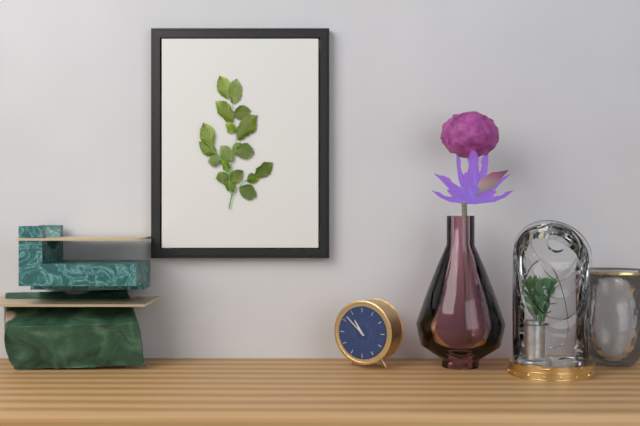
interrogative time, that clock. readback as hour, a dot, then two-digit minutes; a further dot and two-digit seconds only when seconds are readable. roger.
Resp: 10.52
